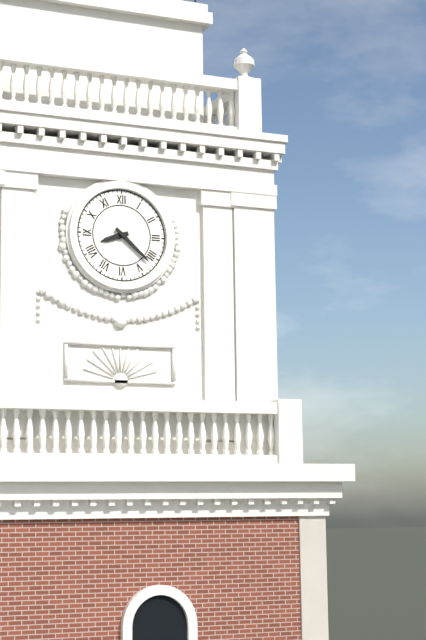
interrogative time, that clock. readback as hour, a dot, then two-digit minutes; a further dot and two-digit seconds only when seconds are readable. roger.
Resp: 8.22
